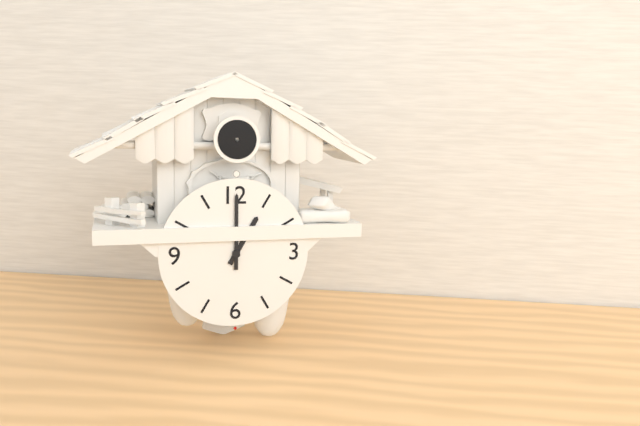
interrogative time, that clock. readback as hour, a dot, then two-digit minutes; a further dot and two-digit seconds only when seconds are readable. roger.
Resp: 1.00
